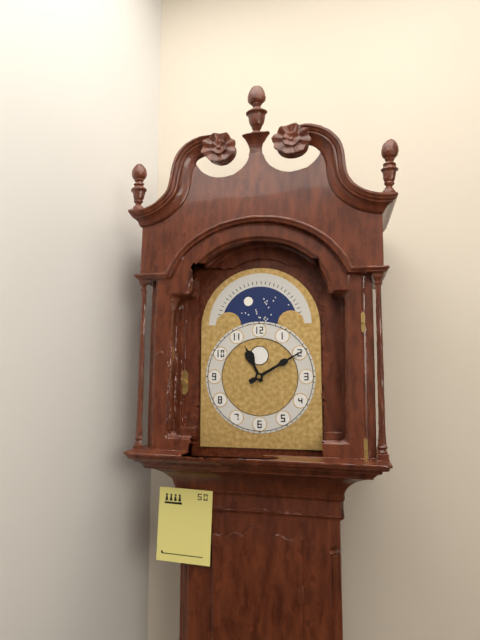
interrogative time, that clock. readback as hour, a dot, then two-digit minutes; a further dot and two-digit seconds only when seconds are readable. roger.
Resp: 11.10
